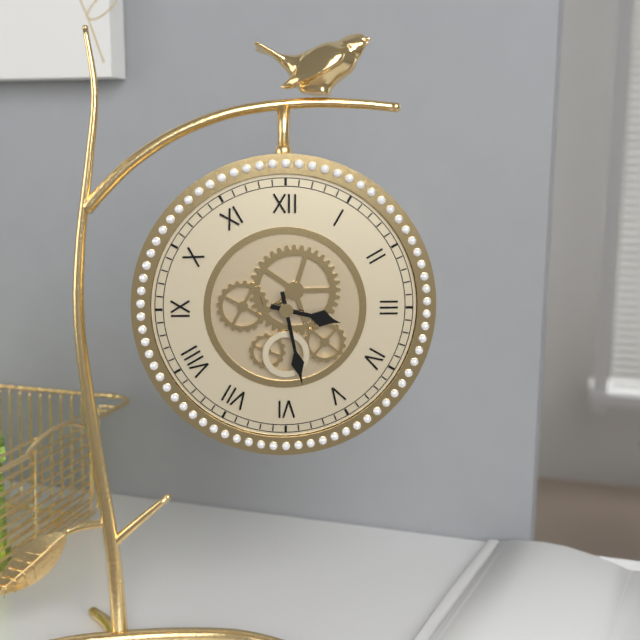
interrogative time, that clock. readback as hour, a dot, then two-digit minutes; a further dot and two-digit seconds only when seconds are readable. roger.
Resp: 3.28
